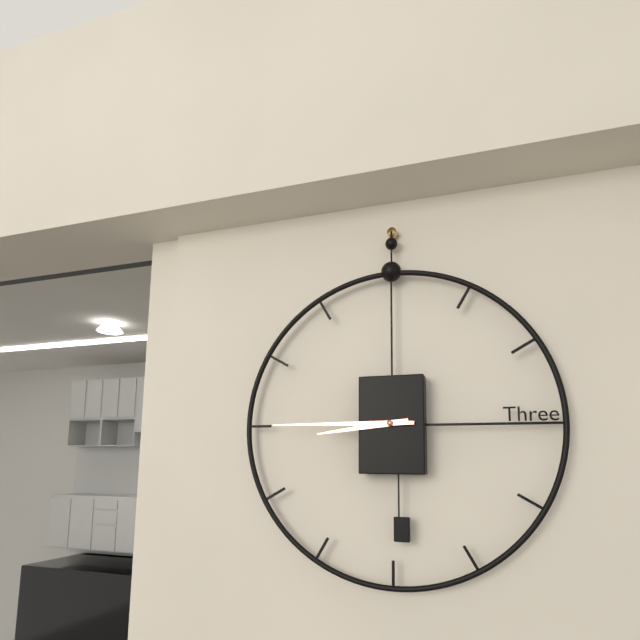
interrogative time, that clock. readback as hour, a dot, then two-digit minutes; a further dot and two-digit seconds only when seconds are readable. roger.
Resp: 8.45
